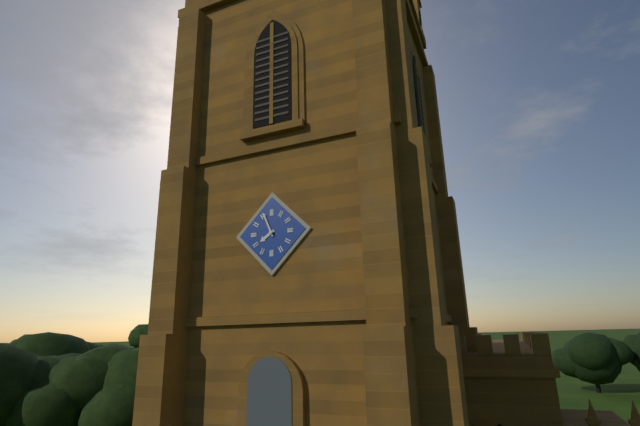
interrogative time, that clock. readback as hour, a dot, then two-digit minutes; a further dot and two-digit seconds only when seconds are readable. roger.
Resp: 7.56
